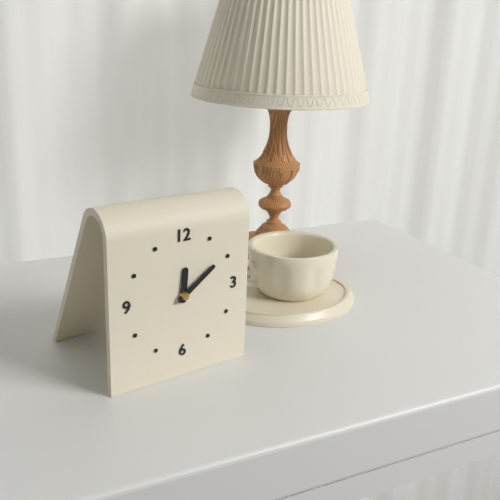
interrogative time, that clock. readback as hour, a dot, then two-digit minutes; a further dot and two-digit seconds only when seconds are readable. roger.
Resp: 12.09
